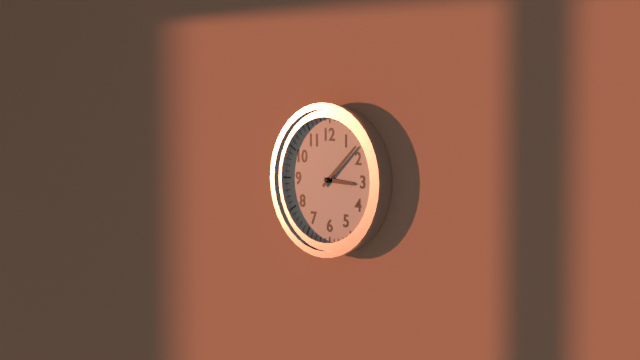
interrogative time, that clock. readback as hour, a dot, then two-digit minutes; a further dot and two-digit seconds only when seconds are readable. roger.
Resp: 3.08
